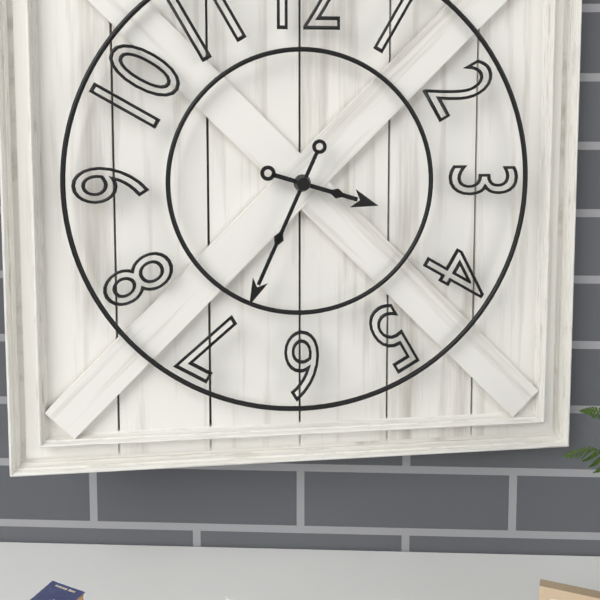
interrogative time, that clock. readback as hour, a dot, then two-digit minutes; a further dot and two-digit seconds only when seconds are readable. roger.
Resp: 3.34
